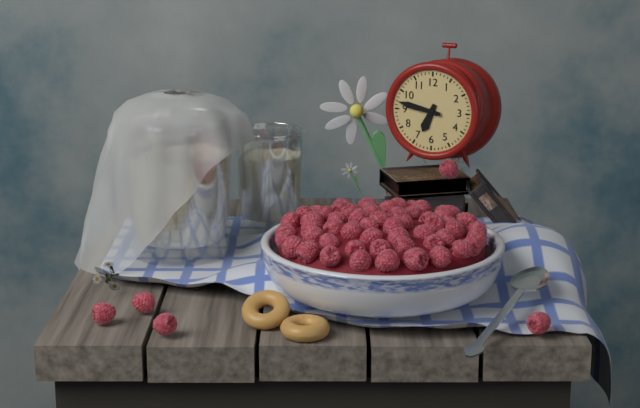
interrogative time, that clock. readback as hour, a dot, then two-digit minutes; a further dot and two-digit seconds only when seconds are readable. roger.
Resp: 6.47
